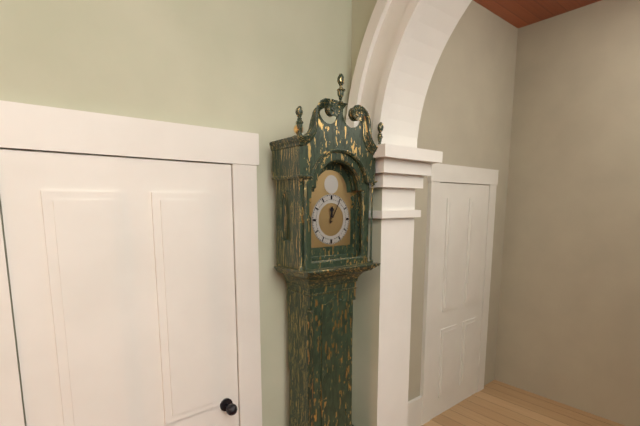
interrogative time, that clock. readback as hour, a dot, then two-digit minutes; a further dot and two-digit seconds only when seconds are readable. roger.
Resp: 12.05
